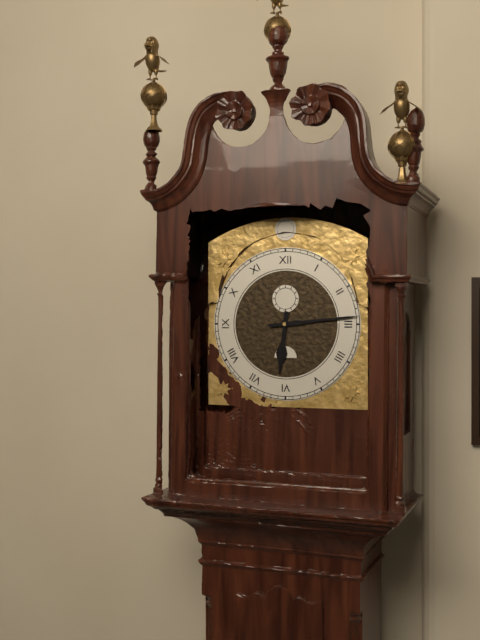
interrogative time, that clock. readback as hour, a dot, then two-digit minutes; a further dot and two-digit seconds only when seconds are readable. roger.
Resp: 6.14
